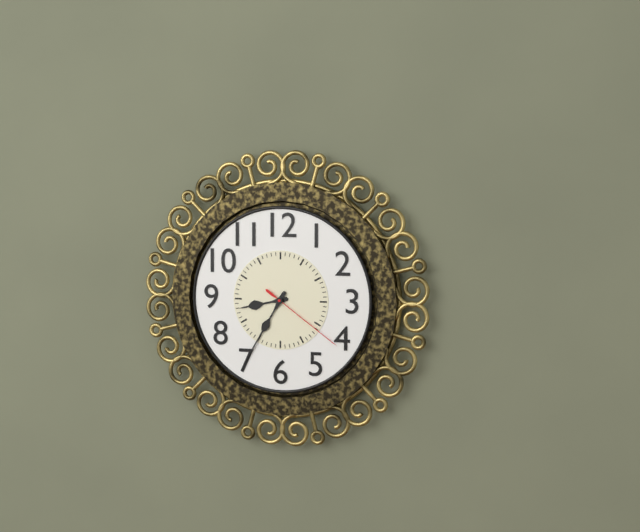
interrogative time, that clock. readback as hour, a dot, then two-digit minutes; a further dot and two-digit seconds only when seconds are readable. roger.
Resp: 8.35.21
